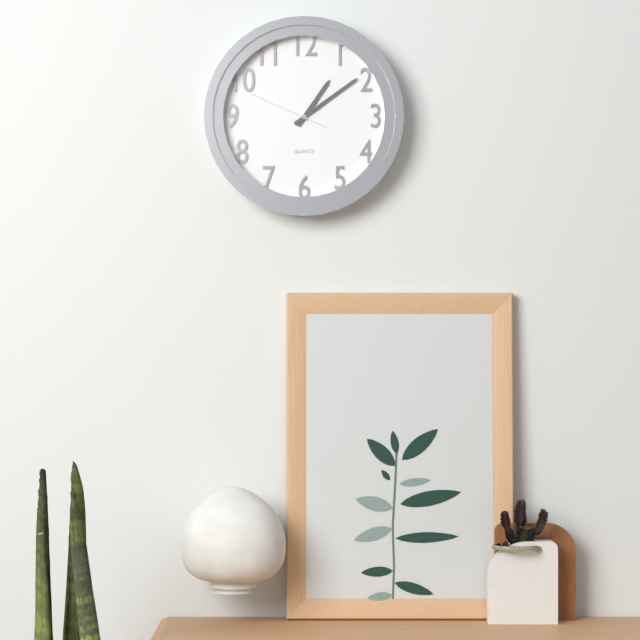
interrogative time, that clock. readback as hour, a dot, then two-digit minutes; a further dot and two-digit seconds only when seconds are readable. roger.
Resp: 1.09.49
